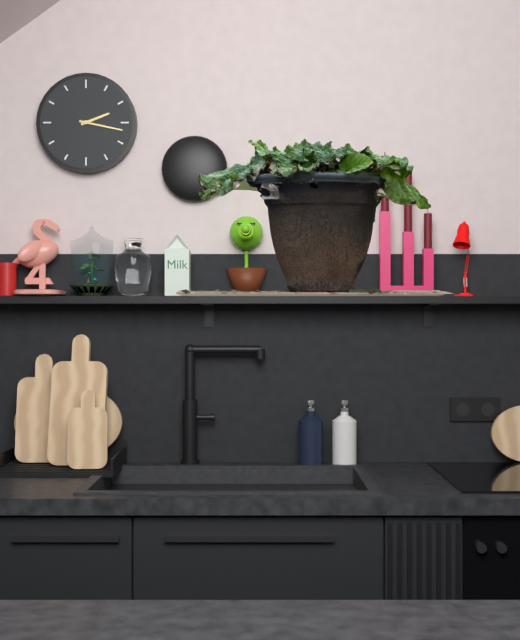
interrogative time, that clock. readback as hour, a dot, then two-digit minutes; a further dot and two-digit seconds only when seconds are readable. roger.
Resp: 2.17
